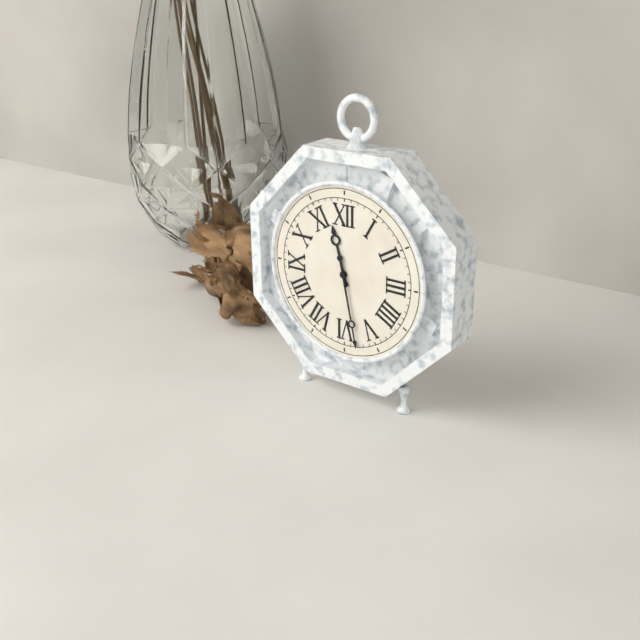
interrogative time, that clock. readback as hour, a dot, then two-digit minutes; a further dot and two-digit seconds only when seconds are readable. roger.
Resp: 11.28
